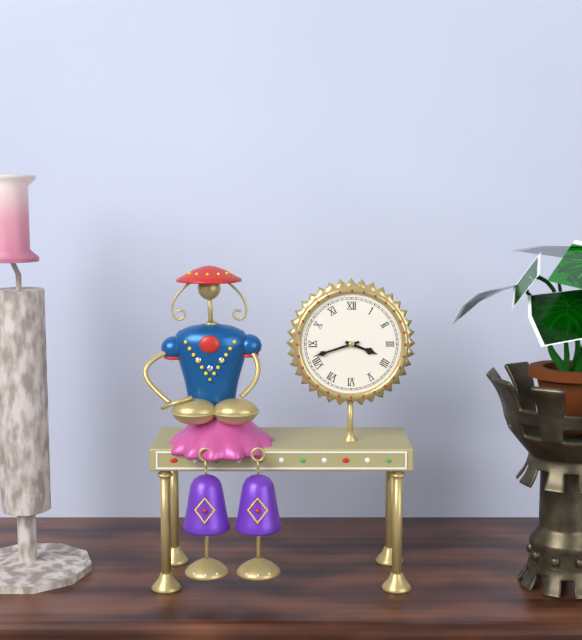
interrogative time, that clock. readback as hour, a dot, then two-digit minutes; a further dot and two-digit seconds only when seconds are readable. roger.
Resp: 3.42
